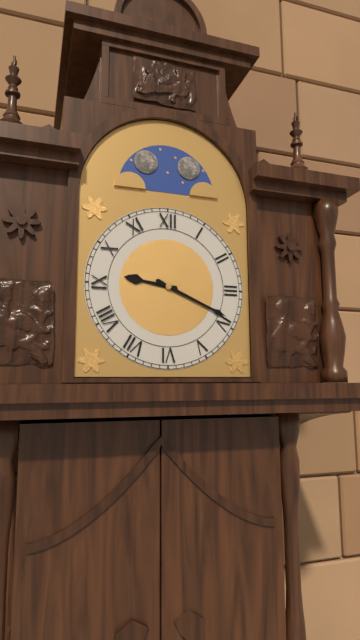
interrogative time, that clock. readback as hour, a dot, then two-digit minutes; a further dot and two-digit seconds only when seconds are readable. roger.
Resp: 9.19
